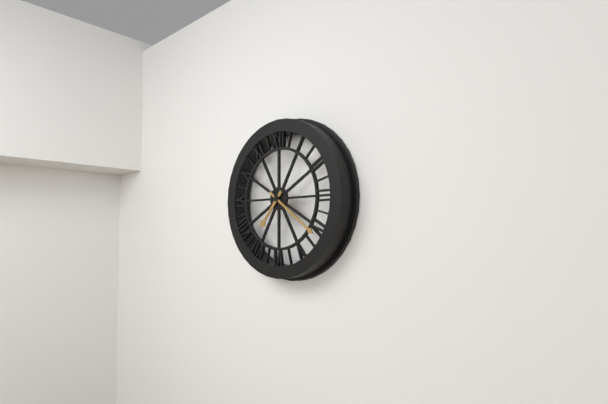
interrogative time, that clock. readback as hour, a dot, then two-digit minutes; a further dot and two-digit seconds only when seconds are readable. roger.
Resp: 7.21
